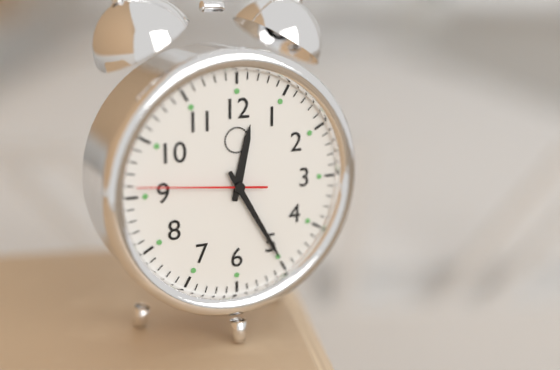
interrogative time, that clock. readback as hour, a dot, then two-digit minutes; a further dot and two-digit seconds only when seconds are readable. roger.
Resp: 12.25.46
